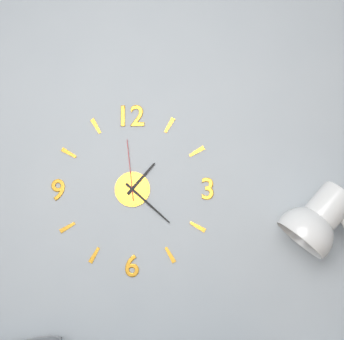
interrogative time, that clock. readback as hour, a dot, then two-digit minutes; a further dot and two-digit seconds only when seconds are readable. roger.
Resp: 1.22.59
